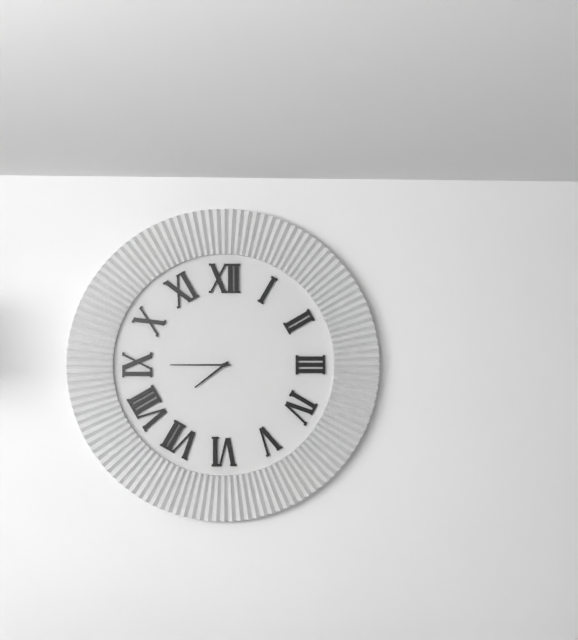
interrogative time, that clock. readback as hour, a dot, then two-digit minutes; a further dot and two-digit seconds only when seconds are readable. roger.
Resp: 7.45
